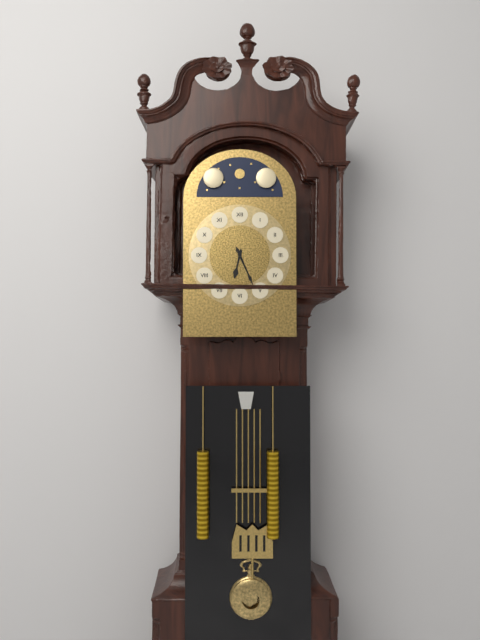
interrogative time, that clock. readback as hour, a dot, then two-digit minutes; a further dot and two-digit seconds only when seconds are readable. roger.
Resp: 6.26
